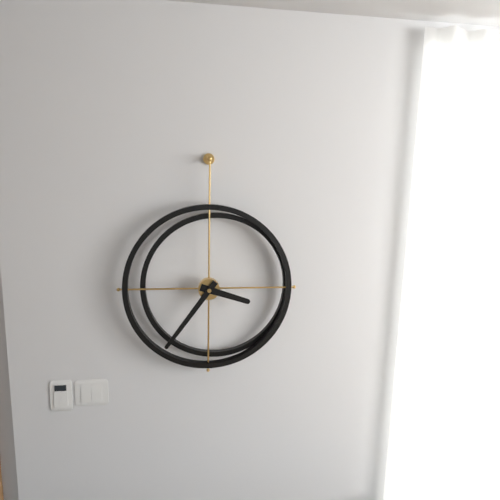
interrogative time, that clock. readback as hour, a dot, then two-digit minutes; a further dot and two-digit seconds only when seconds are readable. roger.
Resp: 3.36
